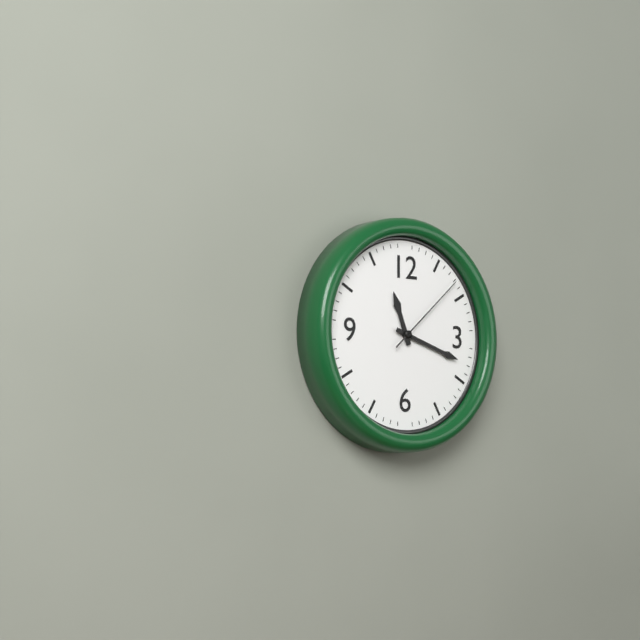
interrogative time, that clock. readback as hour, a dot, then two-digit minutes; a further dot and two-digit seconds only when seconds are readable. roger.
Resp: 11.18.08
